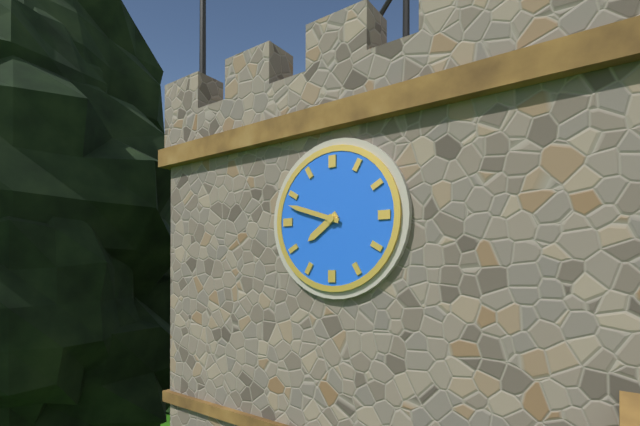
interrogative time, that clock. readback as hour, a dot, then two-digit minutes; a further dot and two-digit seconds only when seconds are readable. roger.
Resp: 7.48
